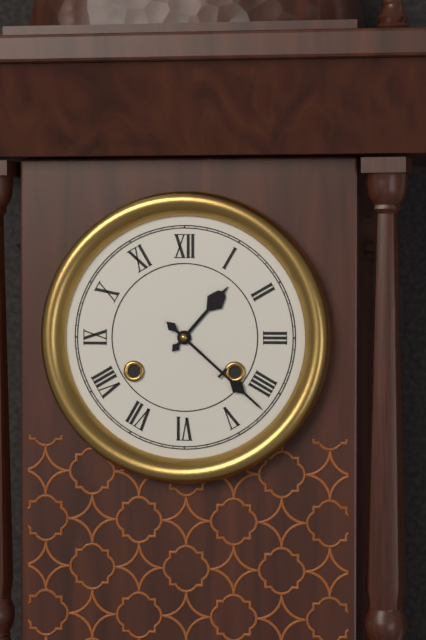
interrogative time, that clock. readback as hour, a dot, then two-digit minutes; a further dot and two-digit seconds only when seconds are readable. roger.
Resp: 1.22
